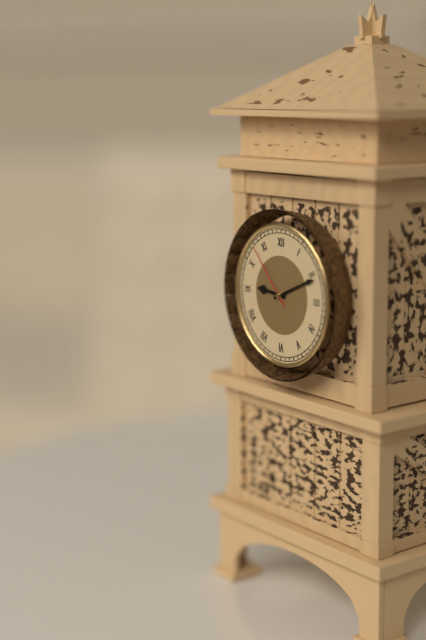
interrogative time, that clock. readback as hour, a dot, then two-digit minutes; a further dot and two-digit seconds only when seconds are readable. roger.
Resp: 9.11.53
